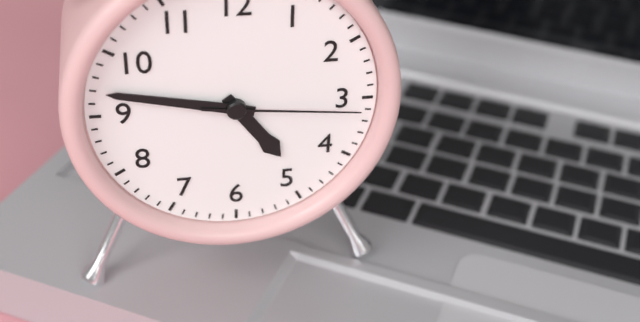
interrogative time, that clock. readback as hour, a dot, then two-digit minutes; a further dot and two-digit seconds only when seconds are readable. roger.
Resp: 4.47.16
